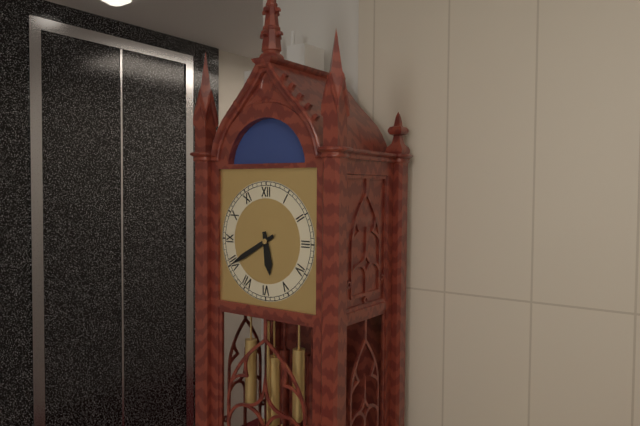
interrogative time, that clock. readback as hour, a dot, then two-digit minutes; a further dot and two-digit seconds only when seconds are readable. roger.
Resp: 5.40
